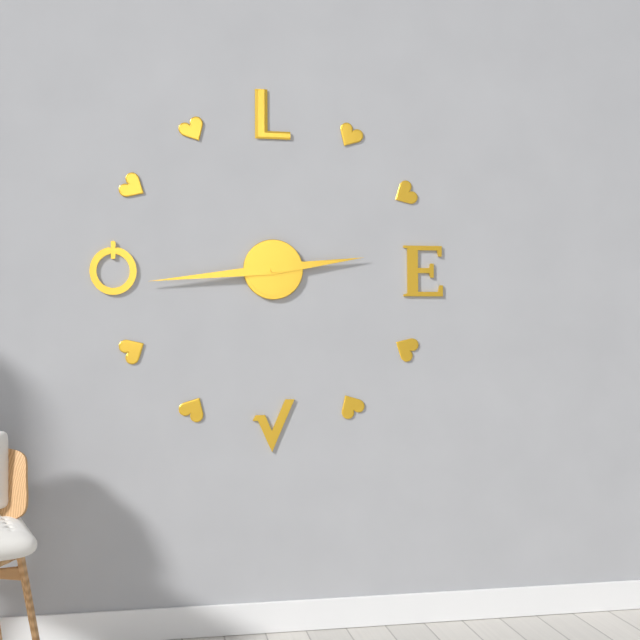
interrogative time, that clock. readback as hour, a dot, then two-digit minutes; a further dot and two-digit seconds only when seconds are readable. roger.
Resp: 2.44
